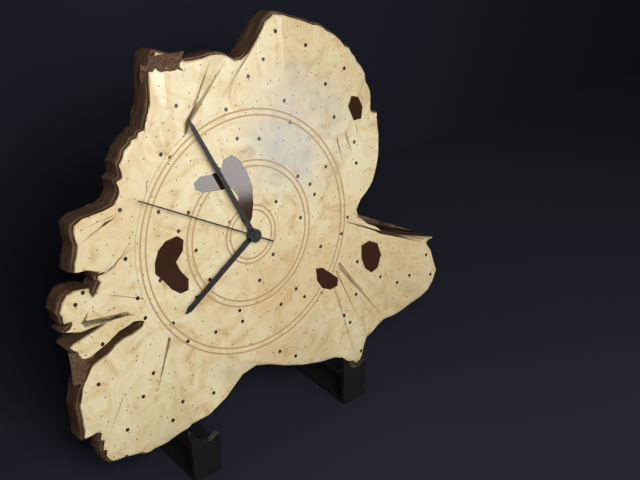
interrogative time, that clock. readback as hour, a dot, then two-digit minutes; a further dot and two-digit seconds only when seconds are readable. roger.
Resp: 7.56.50
